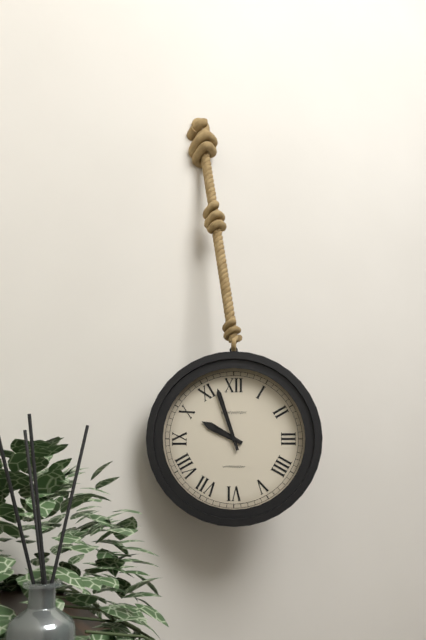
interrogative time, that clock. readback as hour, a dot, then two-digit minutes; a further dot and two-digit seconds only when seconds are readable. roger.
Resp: 9.57
